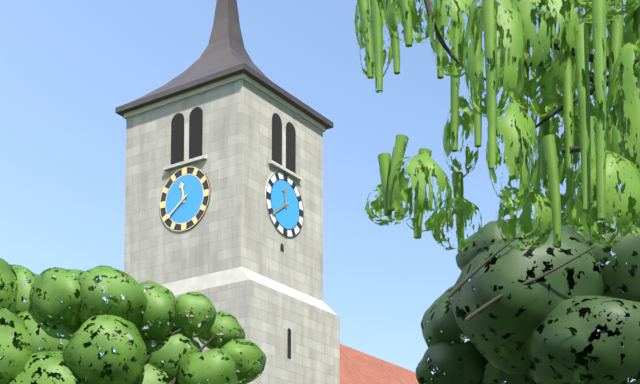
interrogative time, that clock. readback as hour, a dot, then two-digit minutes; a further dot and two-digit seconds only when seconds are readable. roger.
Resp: 11.39
